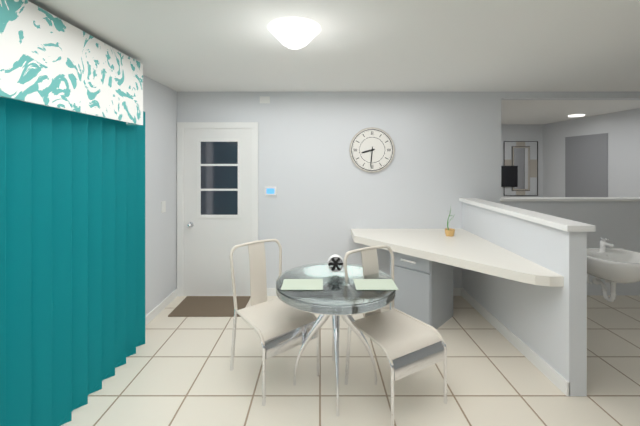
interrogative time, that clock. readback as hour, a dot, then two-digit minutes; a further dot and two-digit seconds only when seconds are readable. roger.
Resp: 8.31
